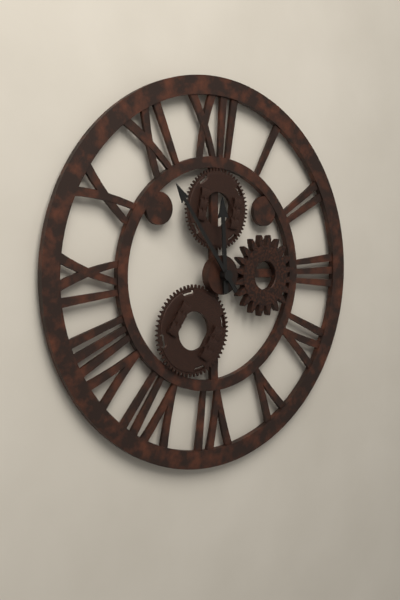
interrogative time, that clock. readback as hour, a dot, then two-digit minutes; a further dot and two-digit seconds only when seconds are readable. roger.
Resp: 11.54
